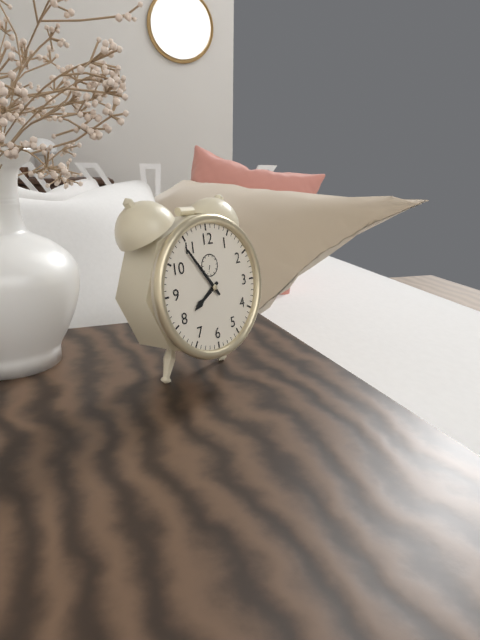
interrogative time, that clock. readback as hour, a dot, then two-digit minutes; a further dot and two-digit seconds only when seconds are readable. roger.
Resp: 7.54
